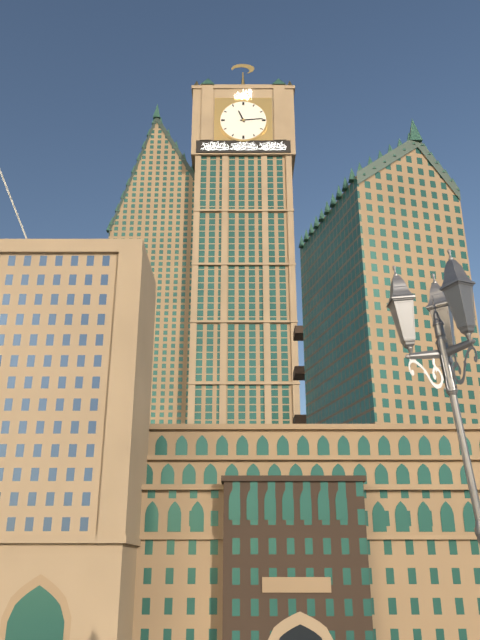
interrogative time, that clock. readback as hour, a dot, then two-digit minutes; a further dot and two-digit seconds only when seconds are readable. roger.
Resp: 11.14
